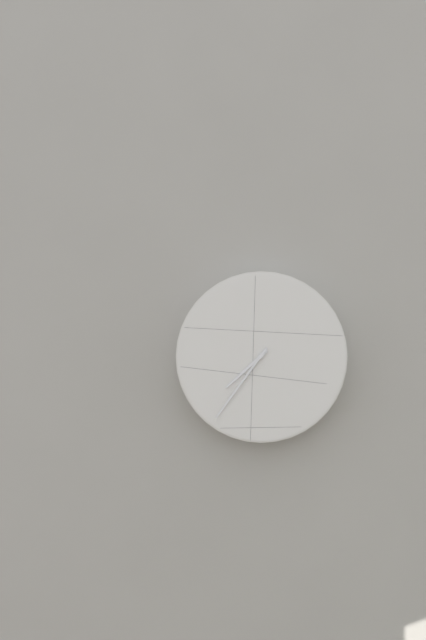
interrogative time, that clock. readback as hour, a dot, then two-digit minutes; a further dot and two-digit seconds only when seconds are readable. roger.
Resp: 7.36
